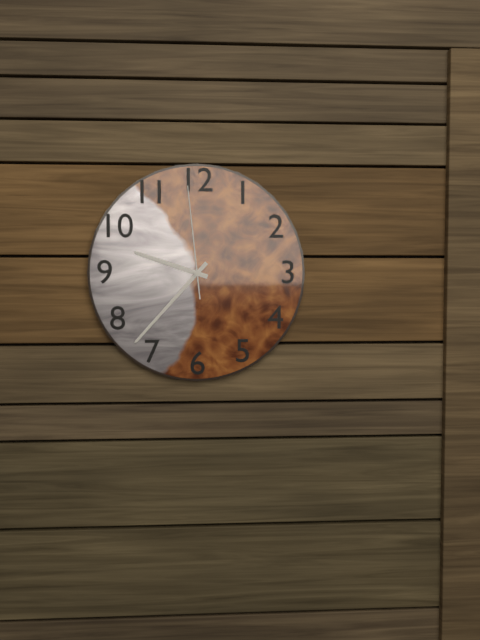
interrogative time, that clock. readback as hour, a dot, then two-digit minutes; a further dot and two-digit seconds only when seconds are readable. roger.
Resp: 9.37.59
